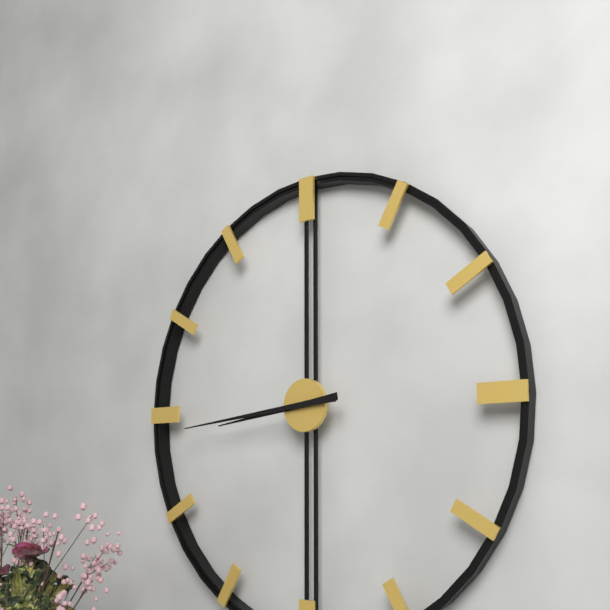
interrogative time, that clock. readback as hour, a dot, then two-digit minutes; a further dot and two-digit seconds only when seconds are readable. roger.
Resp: 8.44
